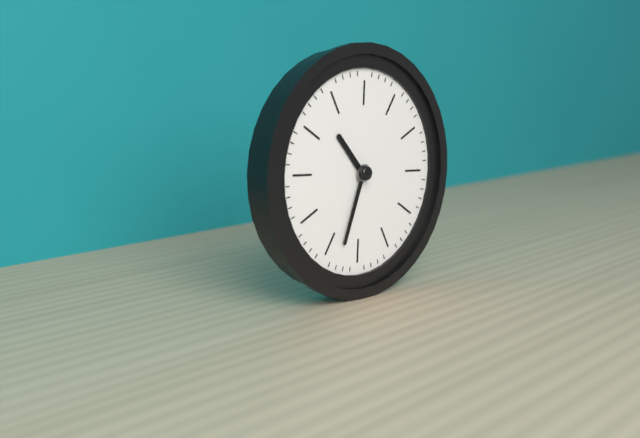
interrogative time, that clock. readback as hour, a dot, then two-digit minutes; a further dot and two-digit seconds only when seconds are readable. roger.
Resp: 10.33
